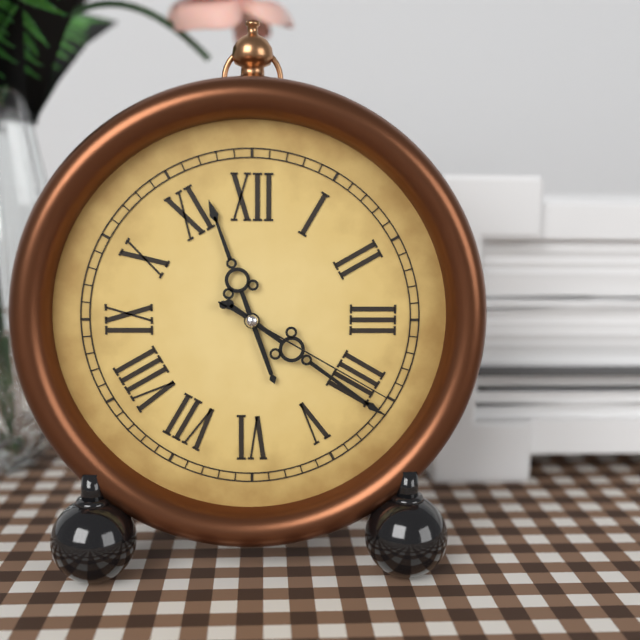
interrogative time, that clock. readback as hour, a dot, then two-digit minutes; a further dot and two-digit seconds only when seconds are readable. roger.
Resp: 11.21.20
